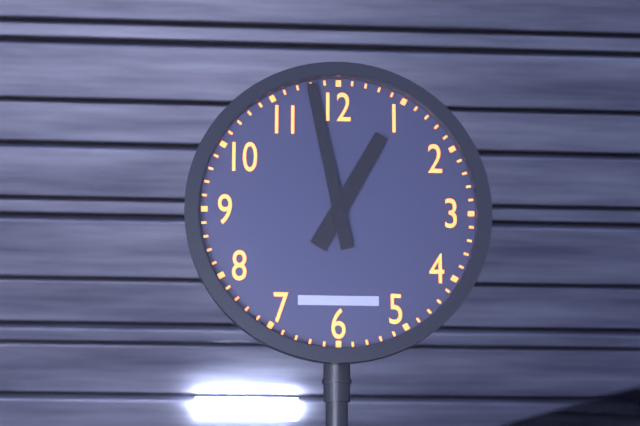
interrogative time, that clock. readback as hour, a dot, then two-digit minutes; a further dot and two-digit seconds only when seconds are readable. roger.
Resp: 12.58
